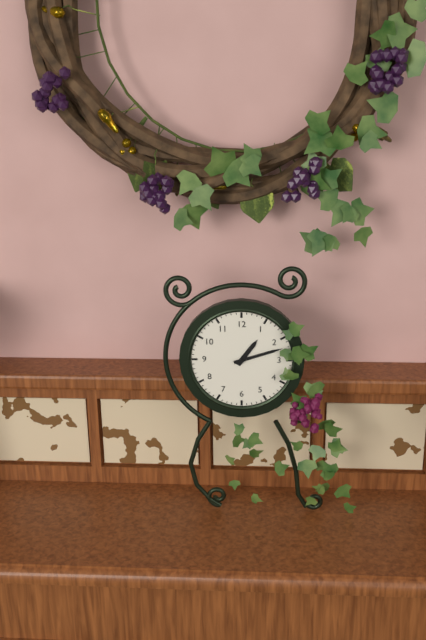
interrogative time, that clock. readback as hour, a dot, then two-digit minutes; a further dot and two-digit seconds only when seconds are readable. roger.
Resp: 1.12
